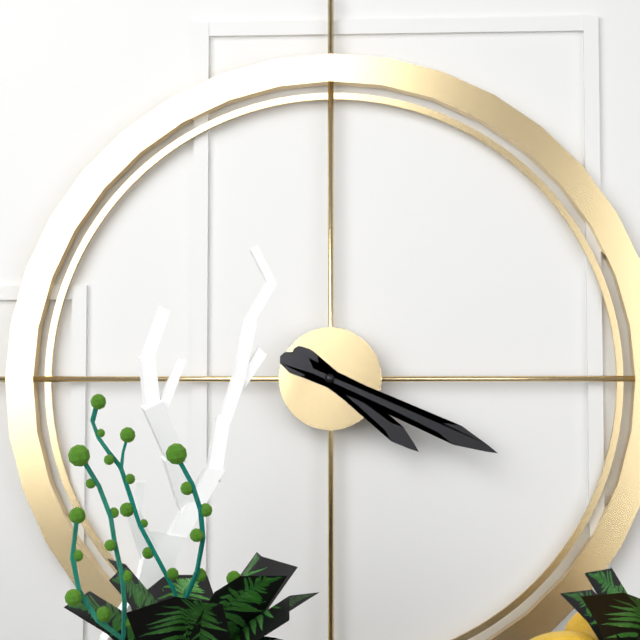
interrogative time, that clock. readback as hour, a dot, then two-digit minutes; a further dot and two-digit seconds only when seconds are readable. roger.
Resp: 4.19
